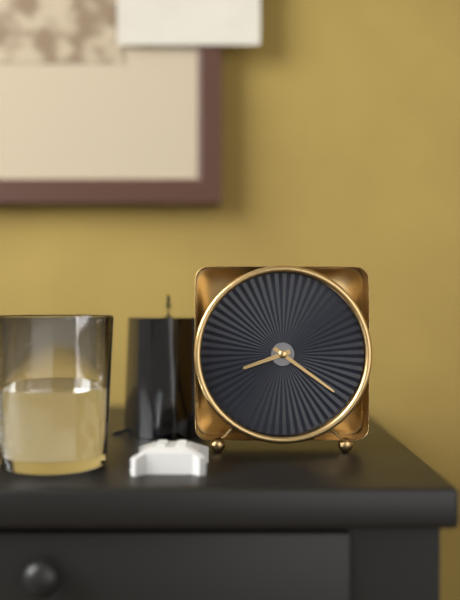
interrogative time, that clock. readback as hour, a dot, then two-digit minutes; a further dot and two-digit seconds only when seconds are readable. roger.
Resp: 8.21
